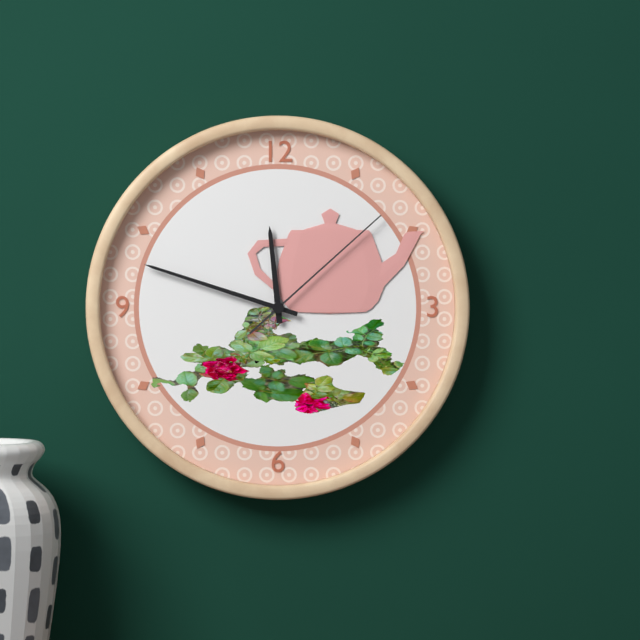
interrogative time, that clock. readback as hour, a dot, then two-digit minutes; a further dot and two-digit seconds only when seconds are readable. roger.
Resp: 11.48.08
